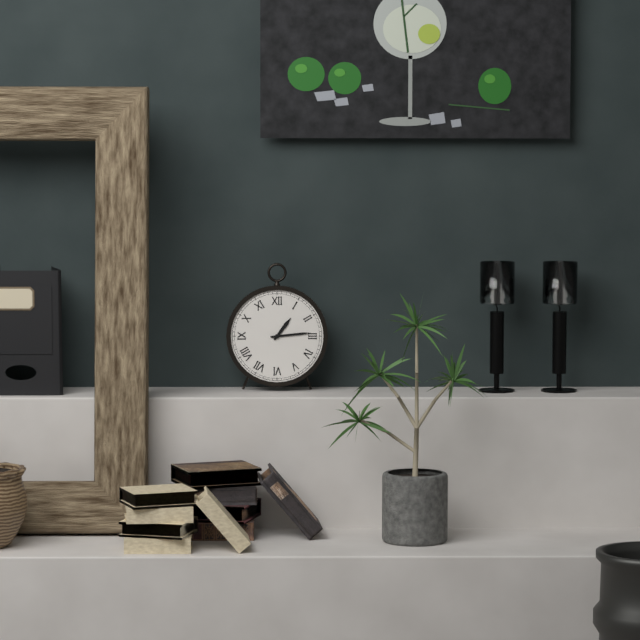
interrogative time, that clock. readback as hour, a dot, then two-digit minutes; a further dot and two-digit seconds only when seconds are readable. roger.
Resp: 1.14
